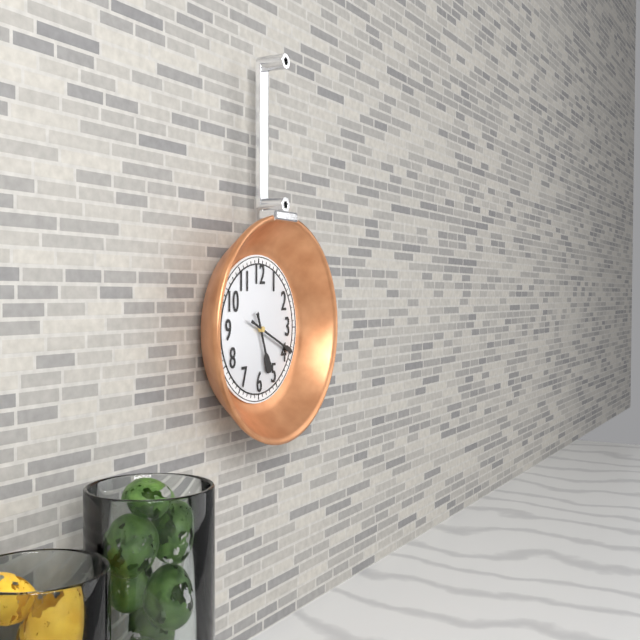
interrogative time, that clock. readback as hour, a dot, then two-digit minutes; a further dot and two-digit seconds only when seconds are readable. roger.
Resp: 5.19
